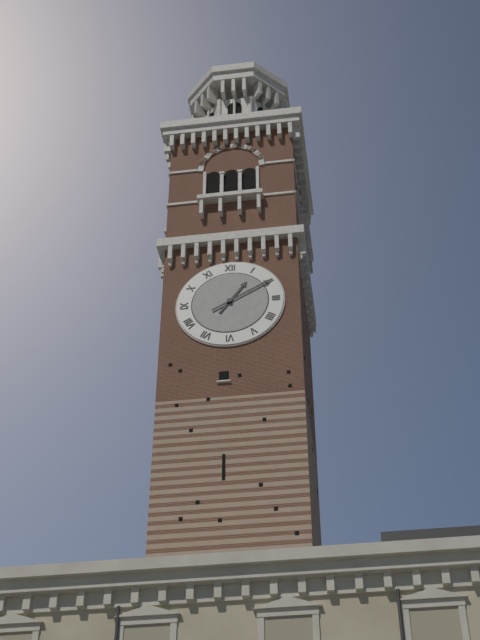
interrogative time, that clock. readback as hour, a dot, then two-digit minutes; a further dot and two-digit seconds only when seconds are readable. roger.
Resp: 1.10
